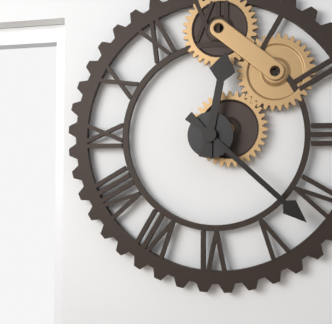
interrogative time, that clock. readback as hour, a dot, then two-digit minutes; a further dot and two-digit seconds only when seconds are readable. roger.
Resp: 12.22
